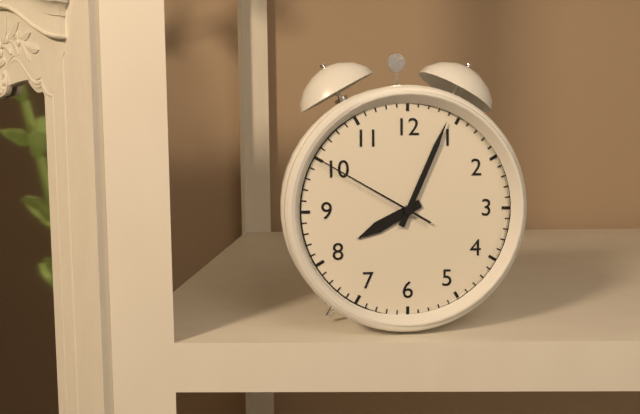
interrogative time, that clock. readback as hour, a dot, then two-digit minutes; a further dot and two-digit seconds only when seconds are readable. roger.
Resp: 8.04.50
